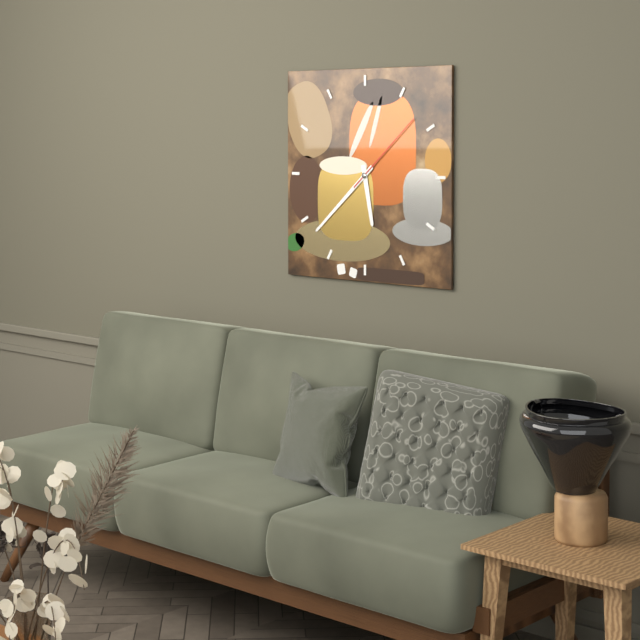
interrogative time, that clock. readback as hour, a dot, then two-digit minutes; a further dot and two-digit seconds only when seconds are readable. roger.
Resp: 5.38.08
